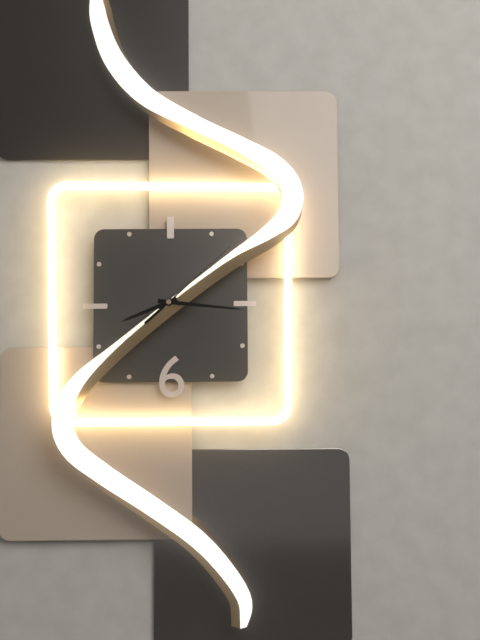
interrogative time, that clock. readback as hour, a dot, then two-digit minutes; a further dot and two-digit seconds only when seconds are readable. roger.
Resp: 8.16.08
